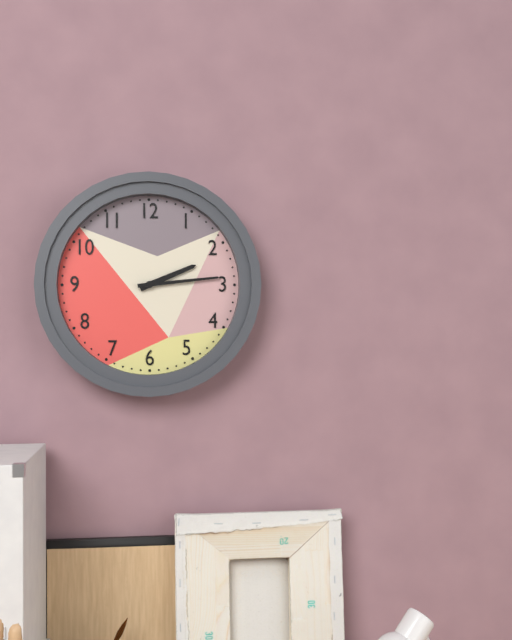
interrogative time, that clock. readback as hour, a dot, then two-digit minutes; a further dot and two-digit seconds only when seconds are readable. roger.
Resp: 2.14
